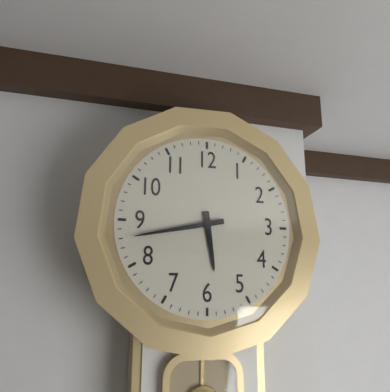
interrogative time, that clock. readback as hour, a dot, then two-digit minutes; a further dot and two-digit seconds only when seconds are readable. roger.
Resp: 5.43
